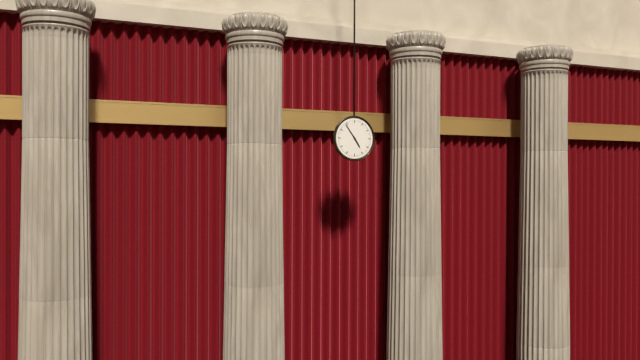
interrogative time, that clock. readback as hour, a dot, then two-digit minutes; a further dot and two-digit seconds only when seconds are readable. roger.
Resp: 4.54
